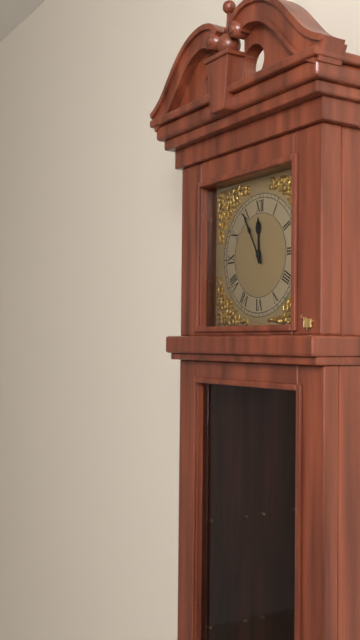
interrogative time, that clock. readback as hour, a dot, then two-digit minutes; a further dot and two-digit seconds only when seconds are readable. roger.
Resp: 11.55
